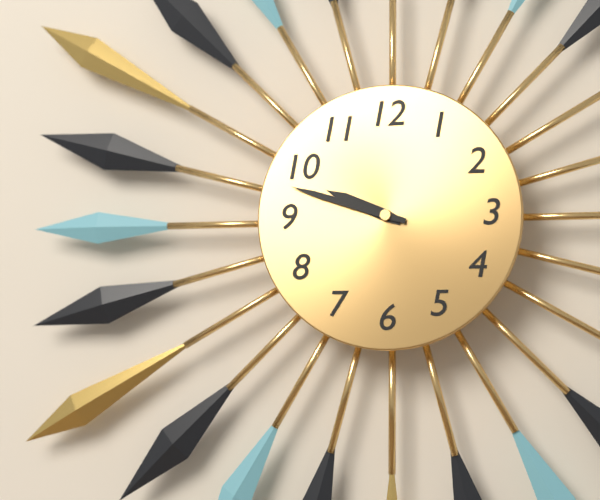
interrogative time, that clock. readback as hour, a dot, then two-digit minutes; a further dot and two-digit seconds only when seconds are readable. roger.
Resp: 9.48
